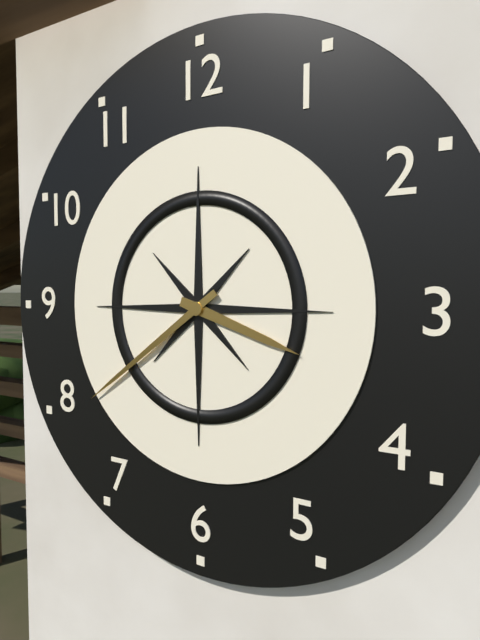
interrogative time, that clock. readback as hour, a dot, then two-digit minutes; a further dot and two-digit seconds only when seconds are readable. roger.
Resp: 3.39
